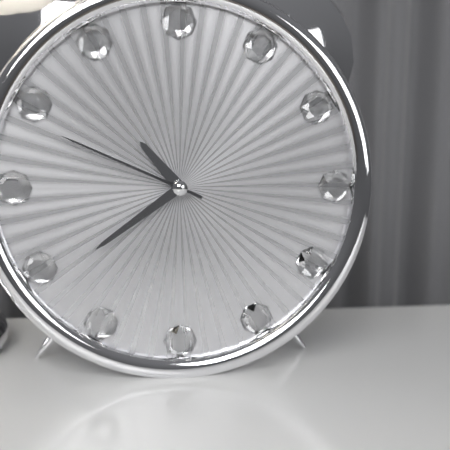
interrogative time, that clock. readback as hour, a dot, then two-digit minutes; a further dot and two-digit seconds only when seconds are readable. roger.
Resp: 10.39.49
